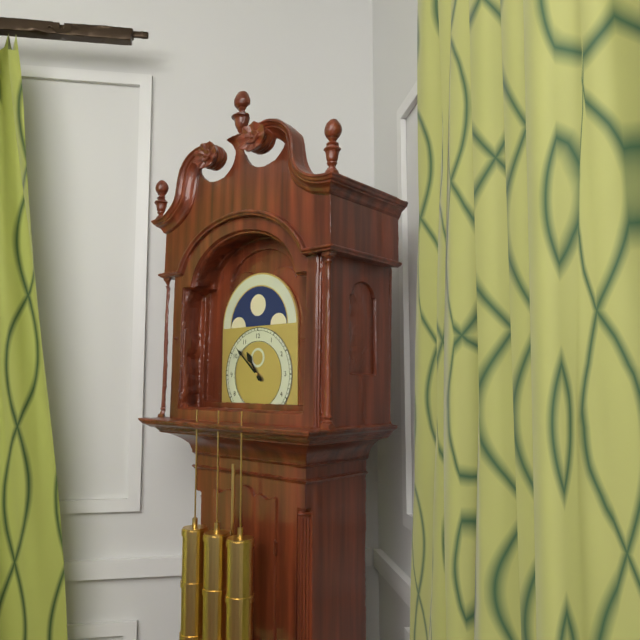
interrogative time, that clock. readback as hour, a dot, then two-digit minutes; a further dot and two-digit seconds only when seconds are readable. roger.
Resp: 10.52
